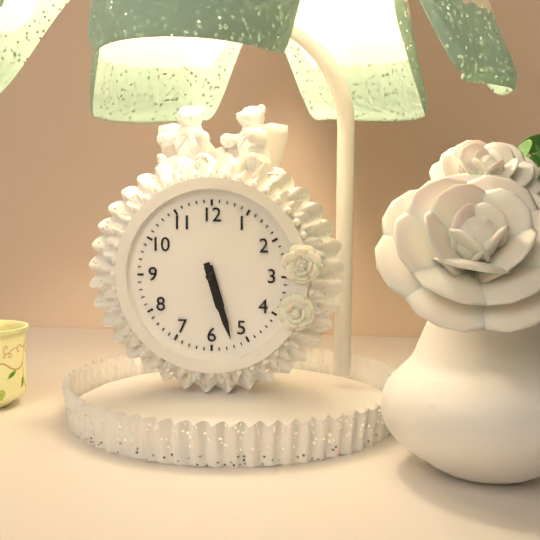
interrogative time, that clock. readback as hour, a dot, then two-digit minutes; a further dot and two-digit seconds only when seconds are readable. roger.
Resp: 5.27
